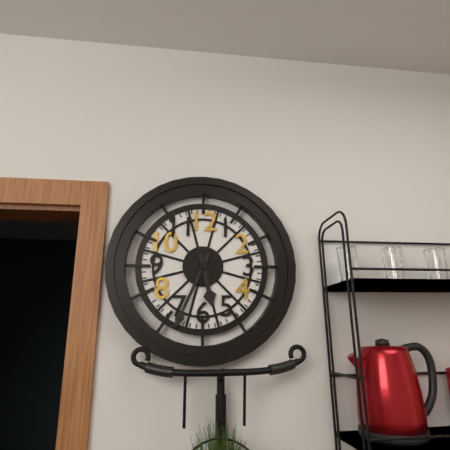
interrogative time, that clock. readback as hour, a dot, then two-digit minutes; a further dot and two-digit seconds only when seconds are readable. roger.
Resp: 5.34
